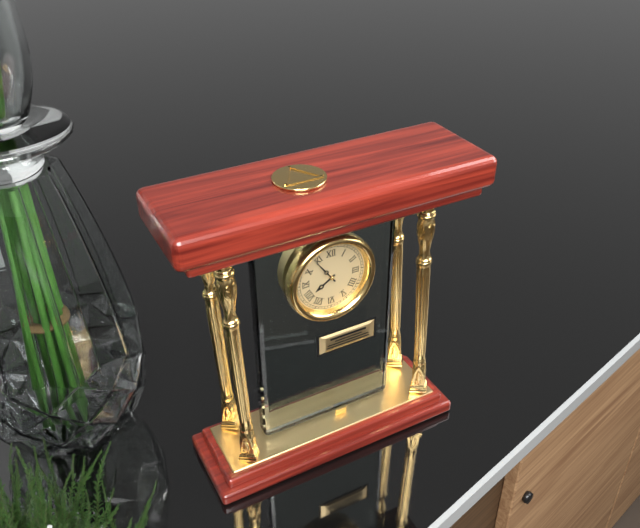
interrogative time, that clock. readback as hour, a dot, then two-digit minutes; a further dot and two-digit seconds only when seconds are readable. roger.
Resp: 7.54
